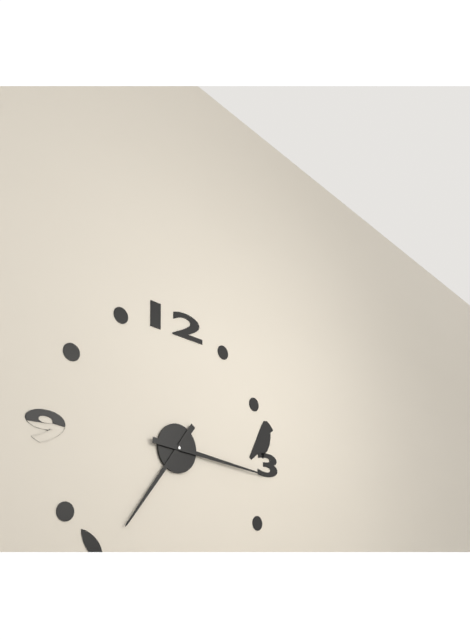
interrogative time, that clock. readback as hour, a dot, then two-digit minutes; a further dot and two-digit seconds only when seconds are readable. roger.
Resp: 7.16
